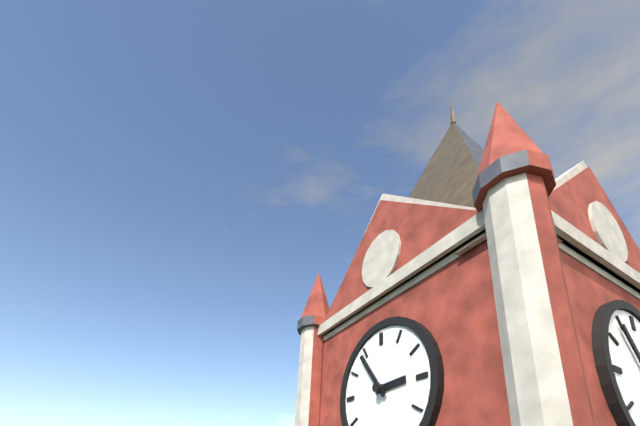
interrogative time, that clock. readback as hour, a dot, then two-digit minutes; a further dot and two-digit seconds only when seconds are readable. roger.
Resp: 2.54
